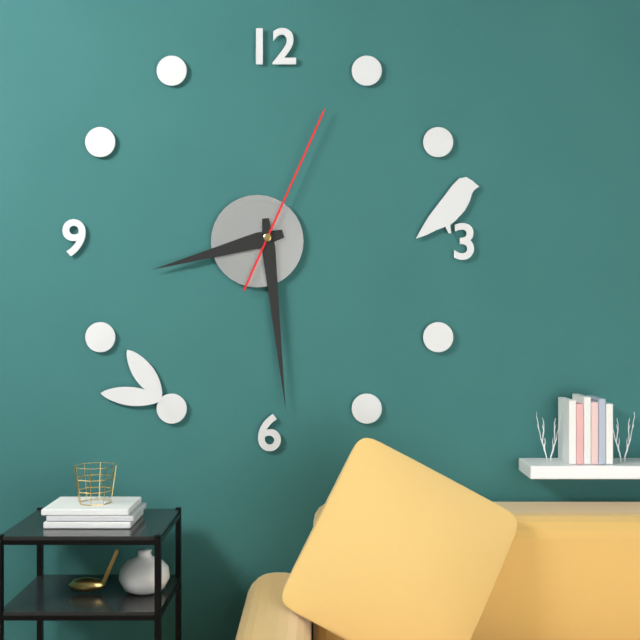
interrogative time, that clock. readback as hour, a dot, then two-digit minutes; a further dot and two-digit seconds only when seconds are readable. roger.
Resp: 8.29.04
